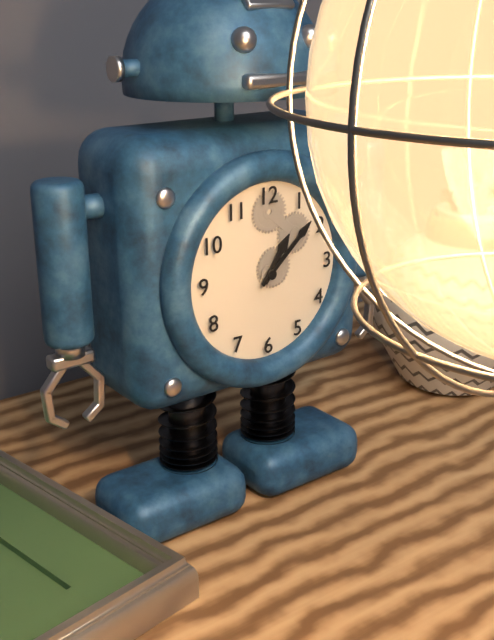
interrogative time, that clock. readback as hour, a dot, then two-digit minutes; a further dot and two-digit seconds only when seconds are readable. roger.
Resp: 1.08
